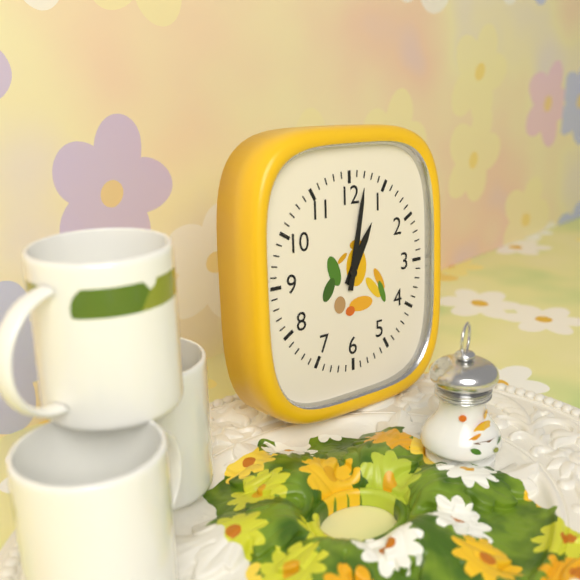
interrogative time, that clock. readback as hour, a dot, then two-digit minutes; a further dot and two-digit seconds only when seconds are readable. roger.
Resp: 1.02
